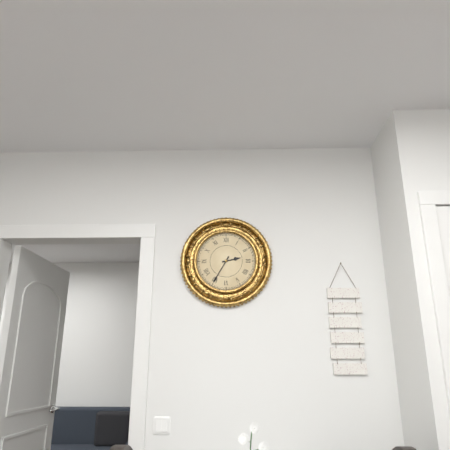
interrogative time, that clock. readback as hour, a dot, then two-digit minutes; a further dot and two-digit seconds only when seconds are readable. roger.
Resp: 2.35
